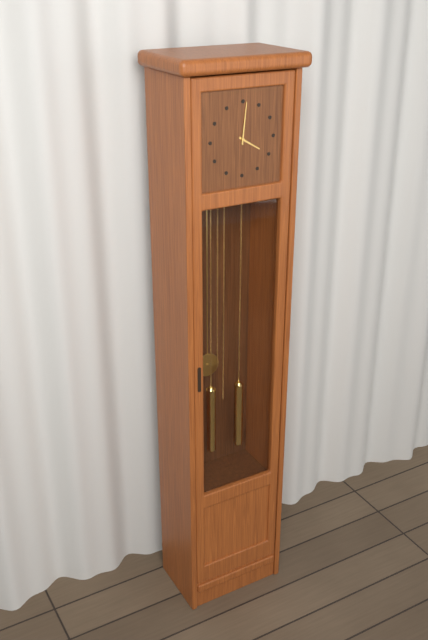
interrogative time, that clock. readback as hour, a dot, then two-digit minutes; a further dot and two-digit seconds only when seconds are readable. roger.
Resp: 4.01
